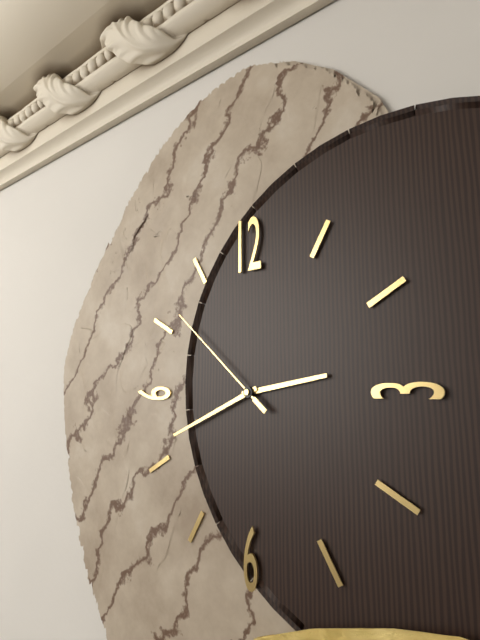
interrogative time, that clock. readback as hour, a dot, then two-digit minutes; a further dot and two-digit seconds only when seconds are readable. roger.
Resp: 2.41.52
